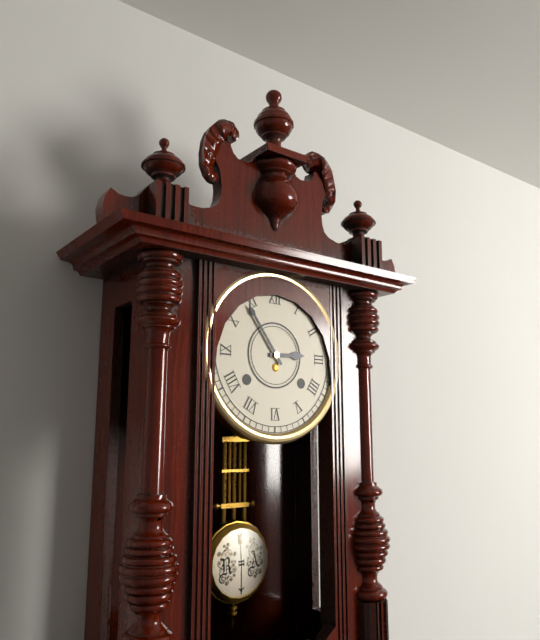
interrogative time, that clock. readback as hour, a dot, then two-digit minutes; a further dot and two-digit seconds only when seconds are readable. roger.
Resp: 2.54
